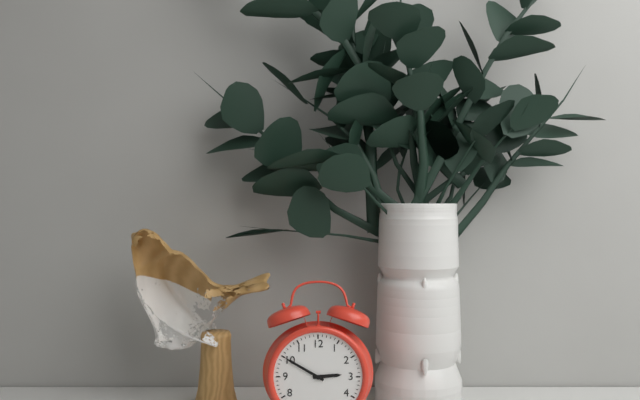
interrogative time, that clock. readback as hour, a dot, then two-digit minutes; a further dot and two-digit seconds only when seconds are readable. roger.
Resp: 2.50
